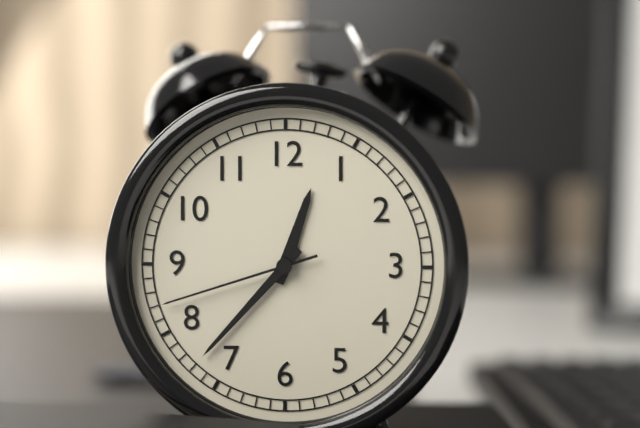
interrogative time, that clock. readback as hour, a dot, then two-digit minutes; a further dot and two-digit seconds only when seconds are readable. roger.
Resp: 12.37.42
